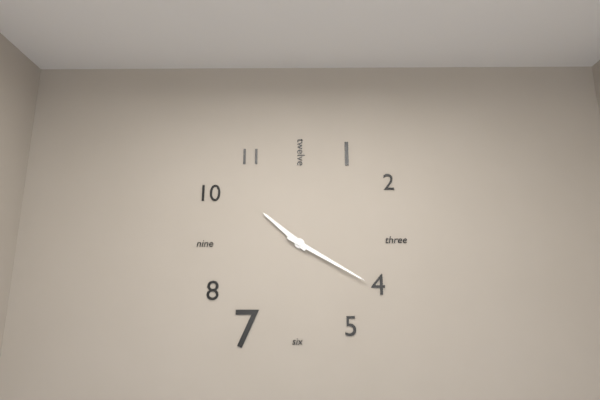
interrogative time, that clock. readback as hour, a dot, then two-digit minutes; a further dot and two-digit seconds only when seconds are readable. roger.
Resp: 10.20
